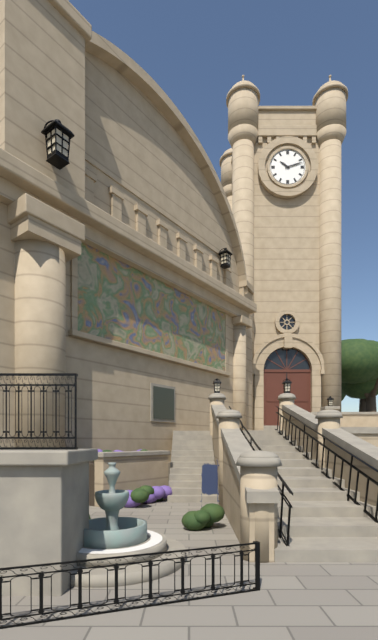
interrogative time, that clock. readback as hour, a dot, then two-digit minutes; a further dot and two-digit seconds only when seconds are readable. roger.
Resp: 10.12
